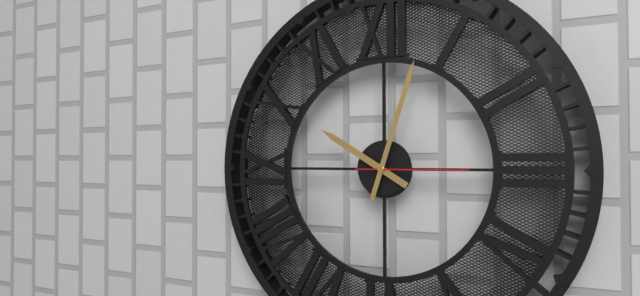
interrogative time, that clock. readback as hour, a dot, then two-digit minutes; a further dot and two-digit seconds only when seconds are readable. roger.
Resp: 10.03.15
